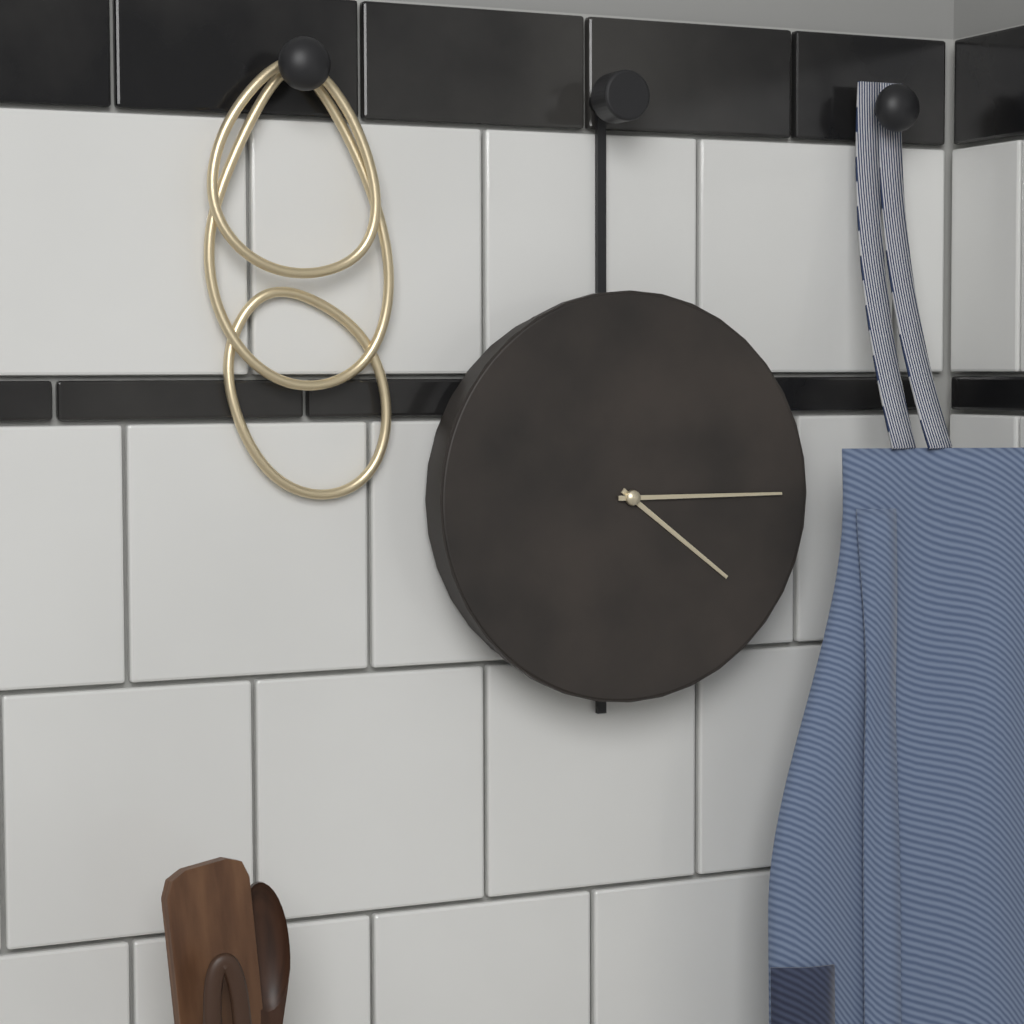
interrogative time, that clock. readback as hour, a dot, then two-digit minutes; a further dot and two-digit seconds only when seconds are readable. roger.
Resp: 4.15
